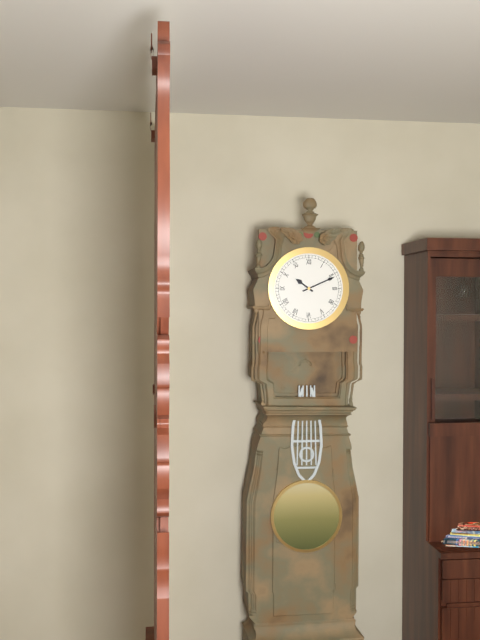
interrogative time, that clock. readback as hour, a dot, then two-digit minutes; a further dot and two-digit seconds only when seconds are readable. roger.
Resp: 10.11
